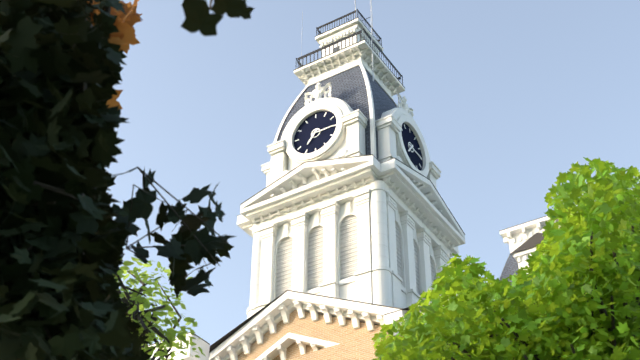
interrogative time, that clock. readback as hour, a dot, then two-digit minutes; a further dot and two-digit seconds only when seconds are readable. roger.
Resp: 7.15
